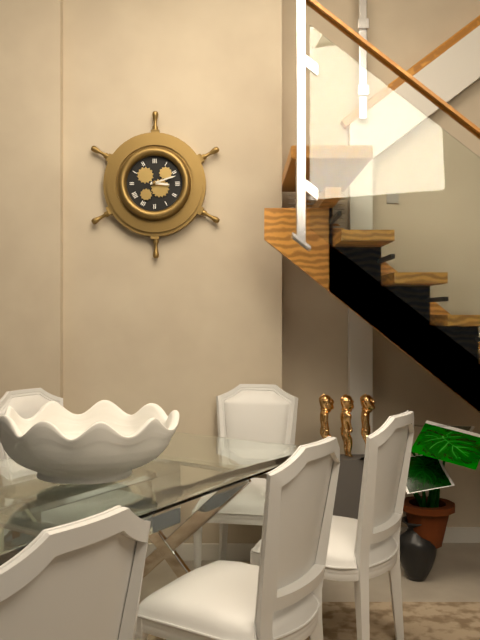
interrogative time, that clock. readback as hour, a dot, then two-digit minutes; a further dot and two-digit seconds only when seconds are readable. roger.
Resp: 3.12
